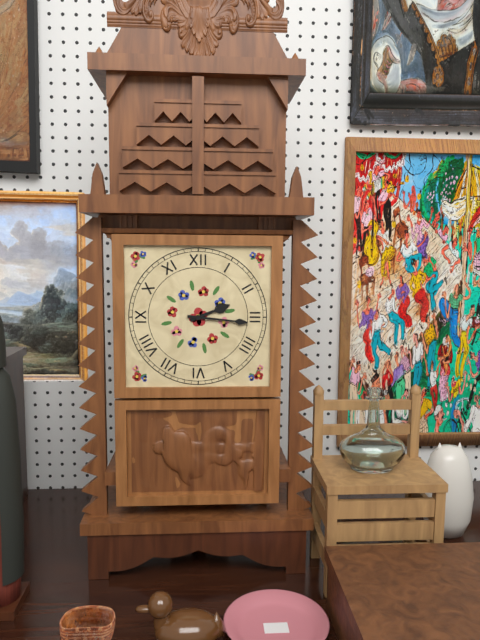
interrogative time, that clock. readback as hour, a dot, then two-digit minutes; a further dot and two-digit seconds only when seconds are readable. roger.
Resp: 2.16
